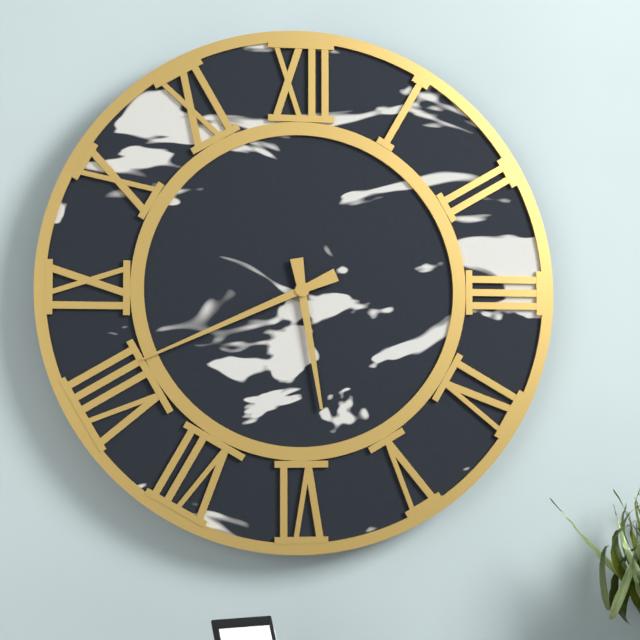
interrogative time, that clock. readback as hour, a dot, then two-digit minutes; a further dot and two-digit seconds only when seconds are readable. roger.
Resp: 5.41
